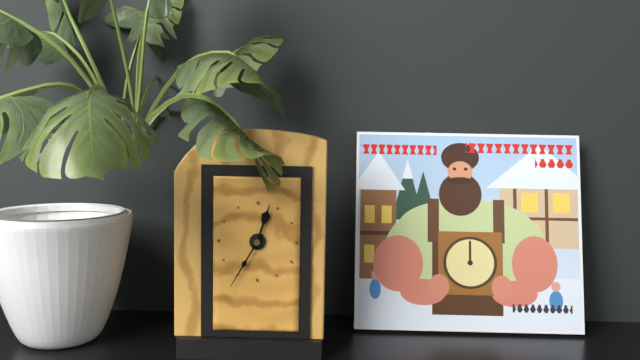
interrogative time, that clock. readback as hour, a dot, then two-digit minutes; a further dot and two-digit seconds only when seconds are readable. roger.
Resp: 12.35
